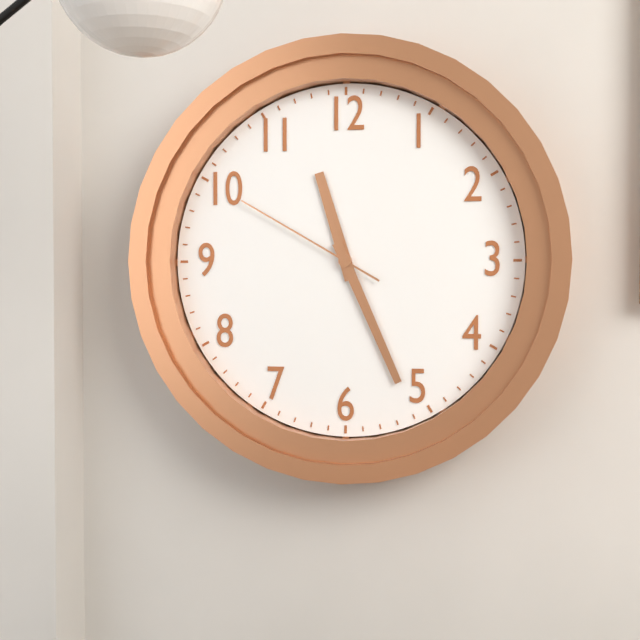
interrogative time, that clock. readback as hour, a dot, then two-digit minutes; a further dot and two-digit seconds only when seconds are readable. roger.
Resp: 11.26.50
